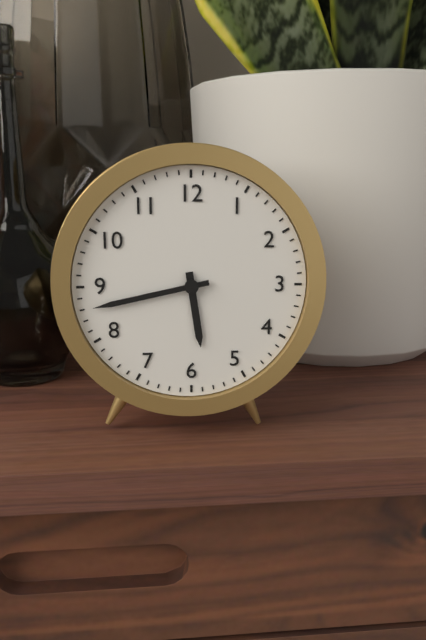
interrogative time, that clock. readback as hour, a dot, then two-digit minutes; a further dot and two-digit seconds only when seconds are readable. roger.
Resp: 5.43
